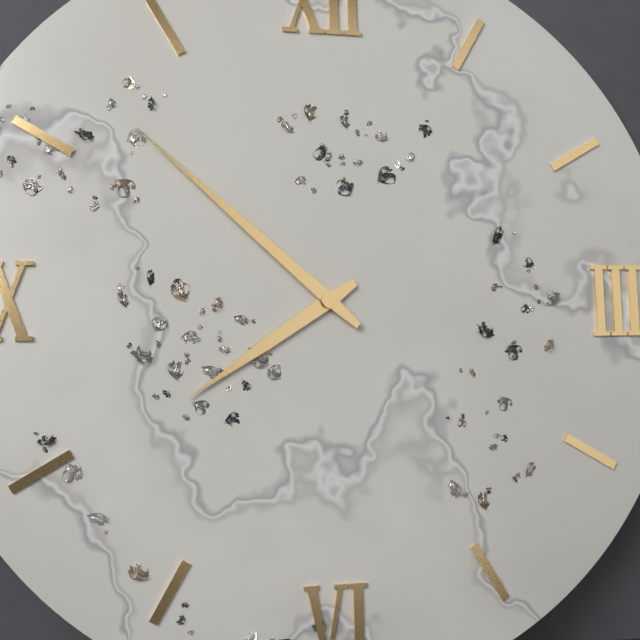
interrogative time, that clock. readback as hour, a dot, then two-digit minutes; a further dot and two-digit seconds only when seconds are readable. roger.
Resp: 7.52
